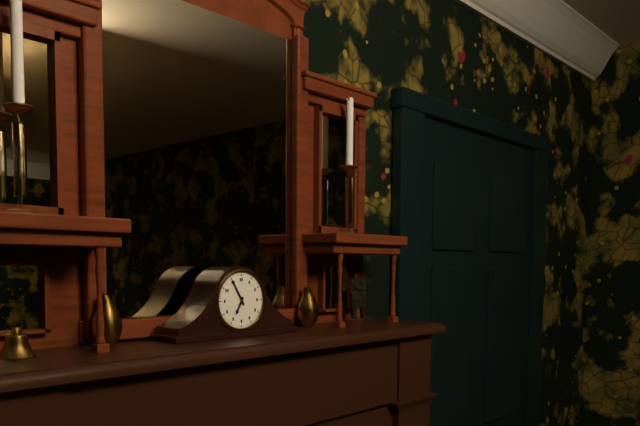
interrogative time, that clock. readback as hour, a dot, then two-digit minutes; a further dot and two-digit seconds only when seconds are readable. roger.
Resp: 6.55
